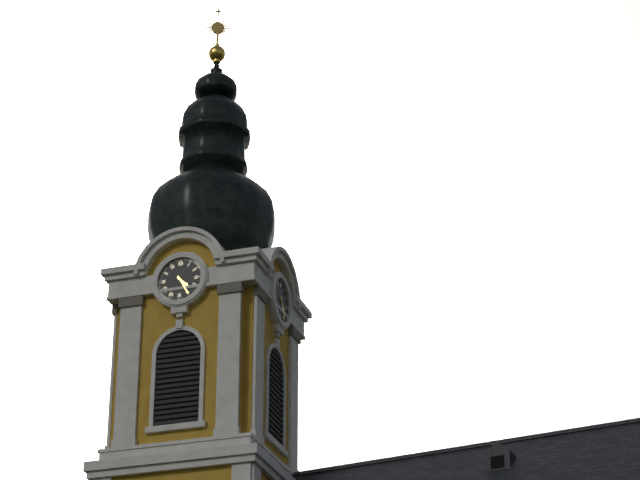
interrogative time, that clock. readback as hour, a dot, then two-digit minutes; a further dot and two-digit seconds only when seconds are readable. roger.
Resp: 4.25
